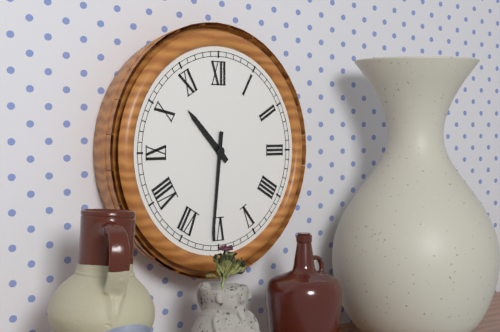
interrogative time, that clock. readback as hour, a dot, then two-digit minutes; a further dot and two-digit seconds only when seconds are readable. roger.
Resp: 10.31
